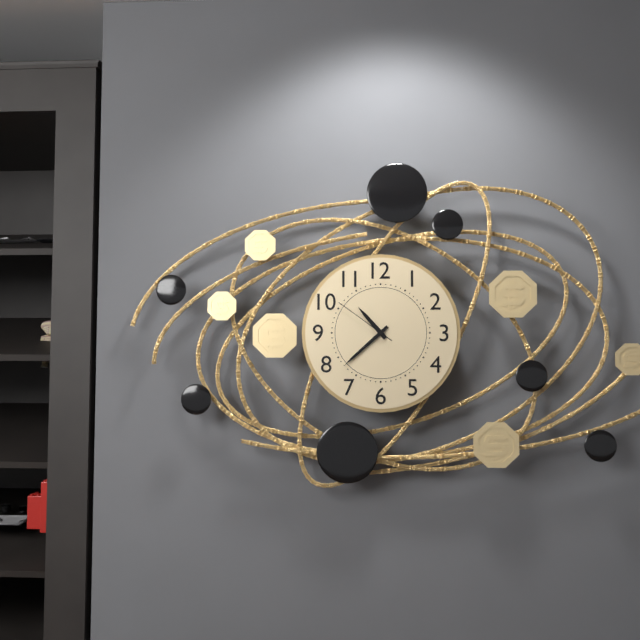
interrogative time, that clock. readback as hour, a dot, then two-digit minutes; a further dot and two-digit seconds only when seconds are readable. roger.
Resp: 10.38.51
